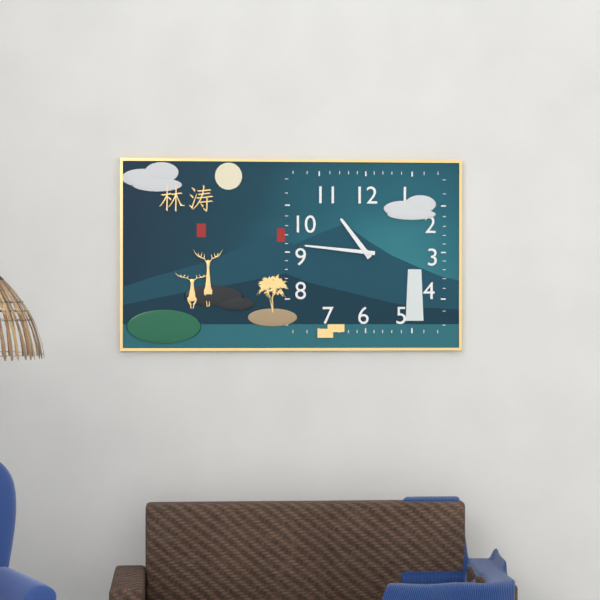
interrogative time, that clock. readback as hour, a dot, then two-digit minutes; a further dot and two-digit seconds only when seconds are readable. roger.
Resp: 10.46
